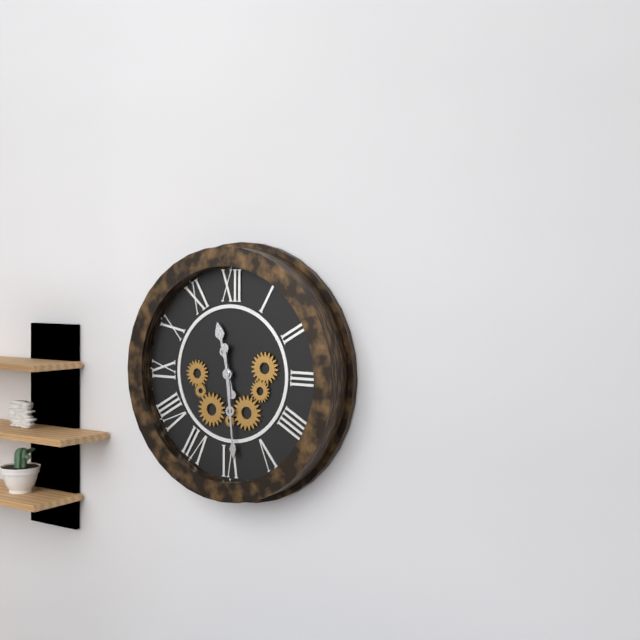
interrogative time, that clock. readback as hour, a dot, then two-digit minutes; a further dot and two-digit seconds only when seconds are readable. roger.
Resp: 11.29
